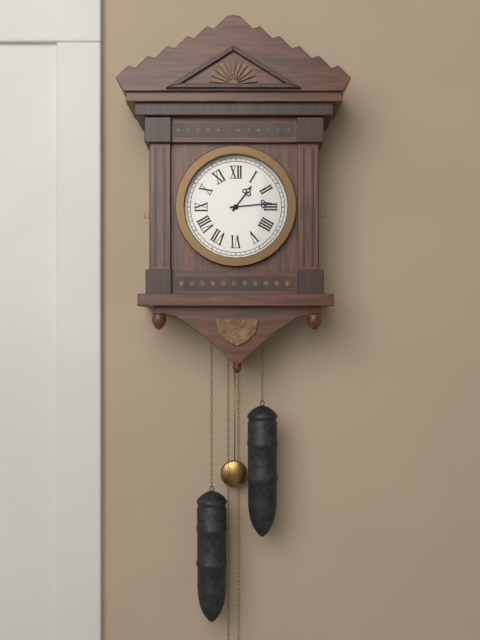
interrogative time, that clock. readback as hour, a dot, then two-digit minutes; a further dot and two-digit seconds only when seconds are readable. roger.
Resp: 1.14
